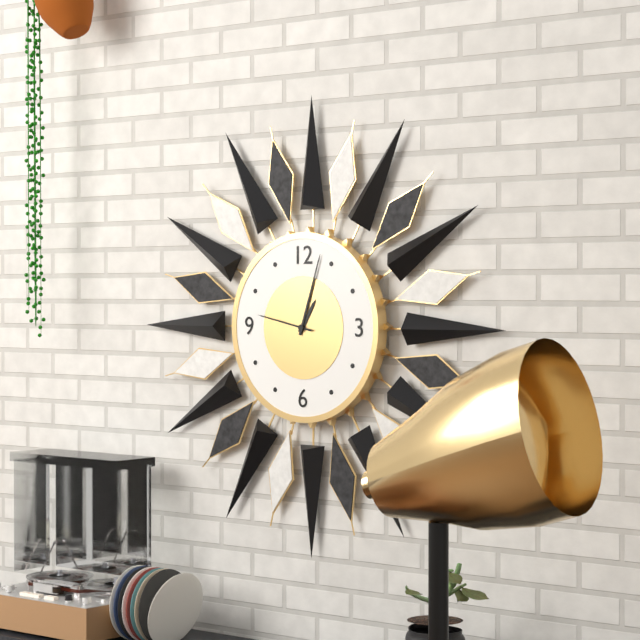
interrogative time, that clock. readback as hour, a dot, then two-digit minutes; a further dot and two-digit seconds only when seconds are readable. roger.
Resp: 1.03.47
